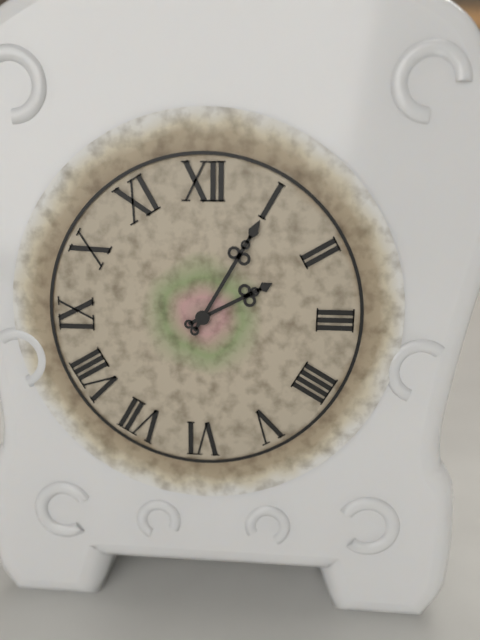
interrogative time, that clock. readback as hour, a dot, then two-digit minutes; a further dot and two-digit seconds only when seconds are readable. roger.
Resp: 2.05
